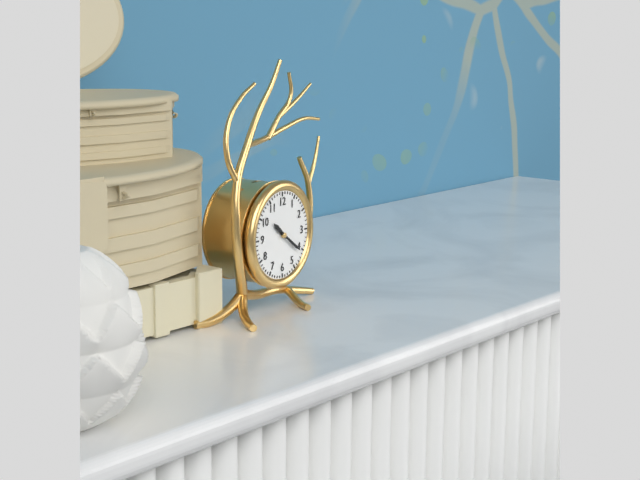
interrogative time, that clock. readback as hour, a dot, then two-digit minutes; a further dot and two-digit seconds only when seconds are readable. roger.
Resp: 10.21
